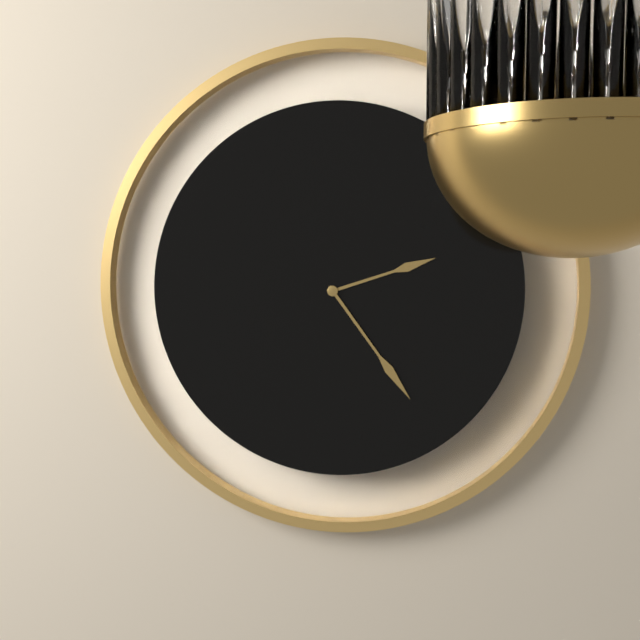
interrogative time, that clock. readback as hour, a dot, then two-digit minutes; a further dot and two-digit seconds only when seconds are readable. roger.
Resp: 2.24
